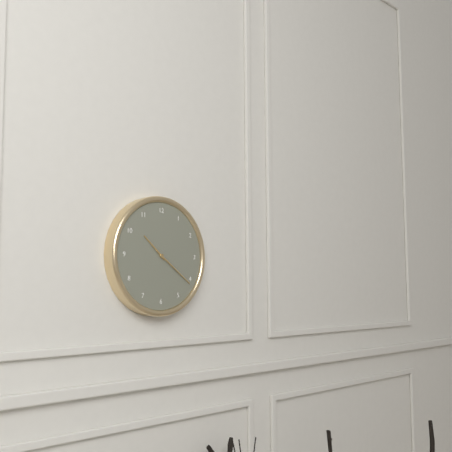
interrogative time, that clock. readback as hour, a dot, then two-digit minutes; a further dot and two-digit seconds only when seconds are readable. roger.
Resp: 10.21
